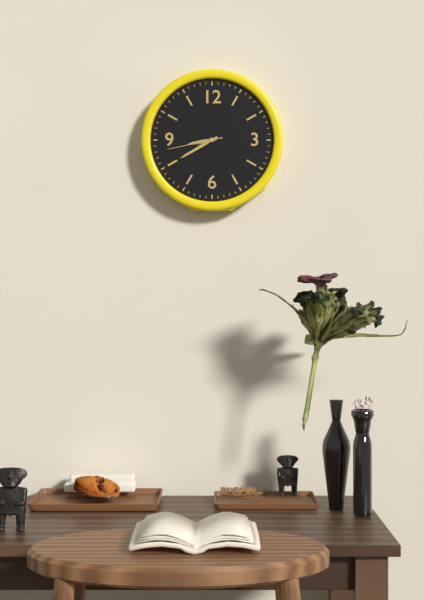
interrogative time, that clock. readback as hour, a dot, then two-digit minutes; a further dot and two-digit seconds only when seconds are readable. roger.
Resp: 8.40.43
